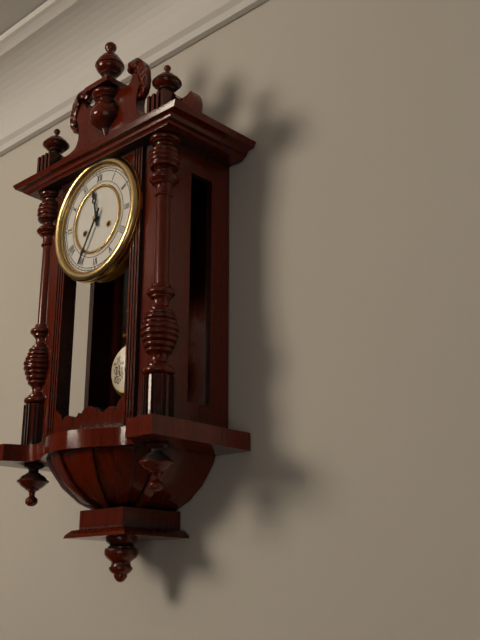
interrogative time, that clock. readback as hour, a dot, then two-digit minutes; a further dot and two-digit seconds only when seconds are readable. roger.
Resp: 11.35
